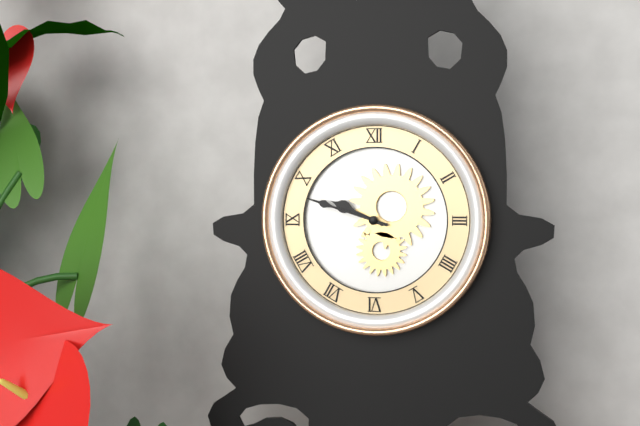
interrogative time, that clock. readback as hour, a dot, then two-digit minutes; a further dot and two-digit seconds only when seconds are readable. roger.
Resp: 9.48
